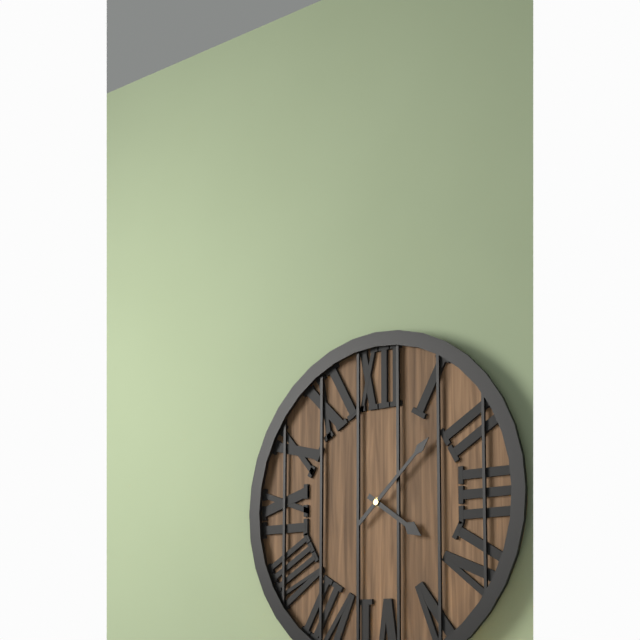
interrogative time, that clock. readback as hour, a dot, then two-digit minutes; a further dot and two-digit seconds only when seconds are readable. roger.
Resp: 4.08
